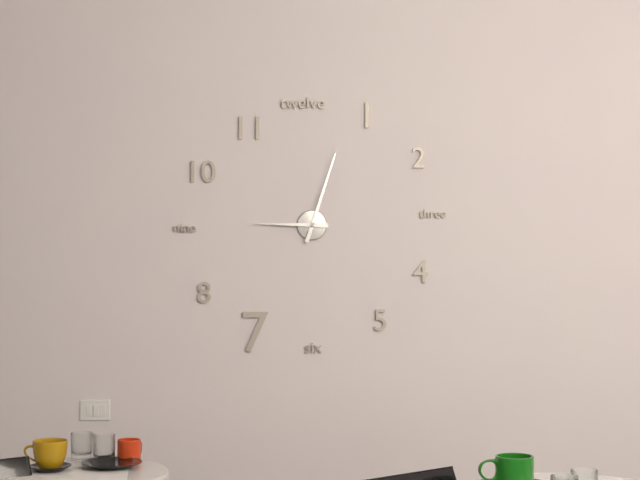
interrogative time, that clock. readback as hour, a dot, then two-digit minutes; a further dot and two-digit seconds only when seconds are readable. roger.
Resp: 9.03
